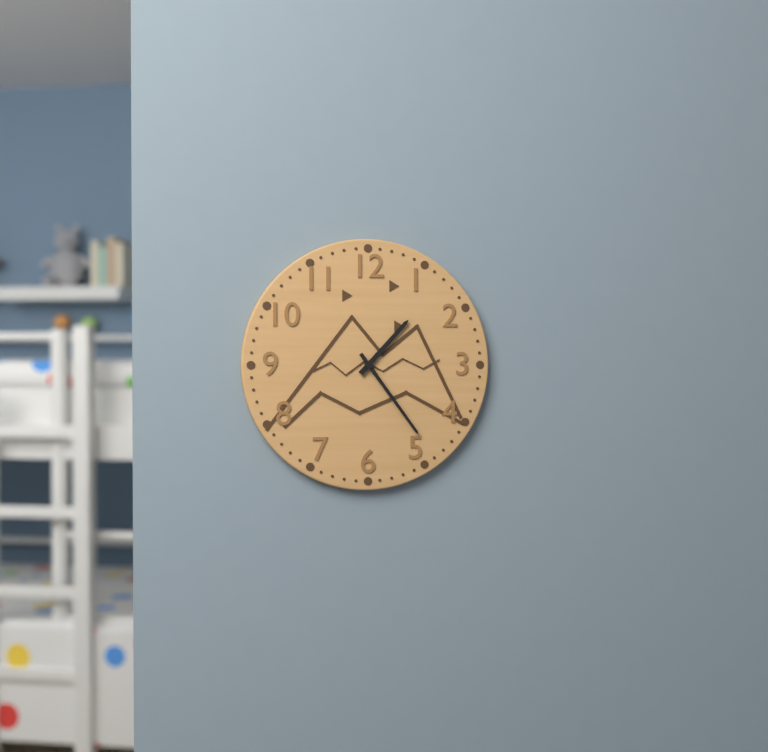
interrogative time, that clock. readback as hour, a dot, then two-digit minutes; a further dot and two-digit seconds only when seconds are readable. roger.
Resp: 1.24
